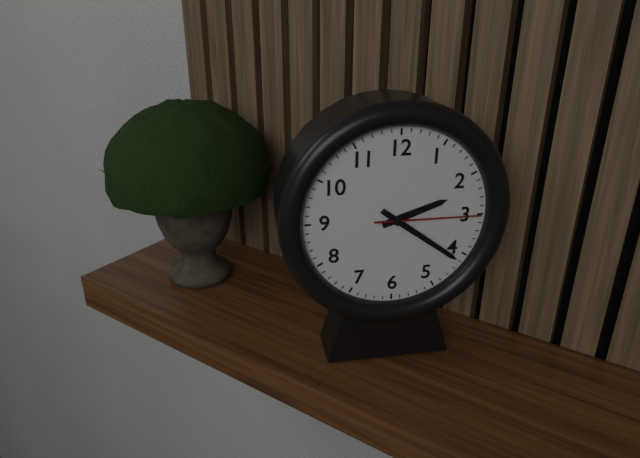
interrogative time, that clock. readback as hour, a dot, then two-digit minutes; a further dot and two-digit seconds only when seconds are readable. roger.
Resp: 2.21.15
